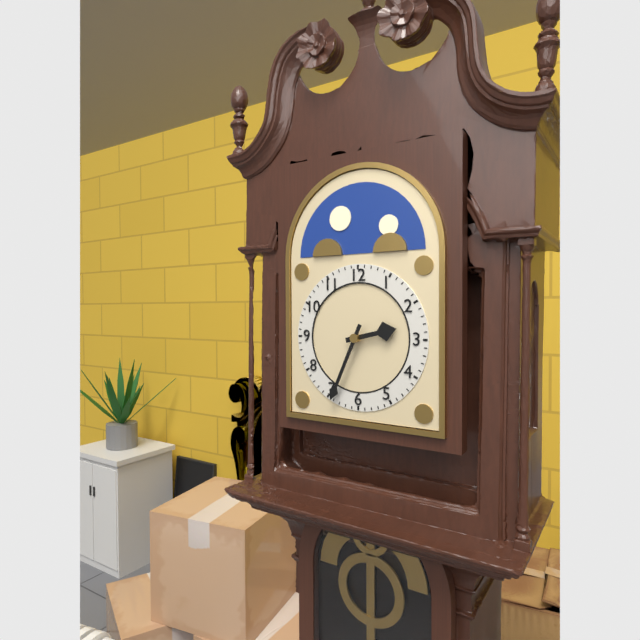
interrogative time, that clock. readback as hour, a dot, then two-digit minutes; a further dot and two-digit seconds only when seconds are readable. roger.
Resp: 2.34
